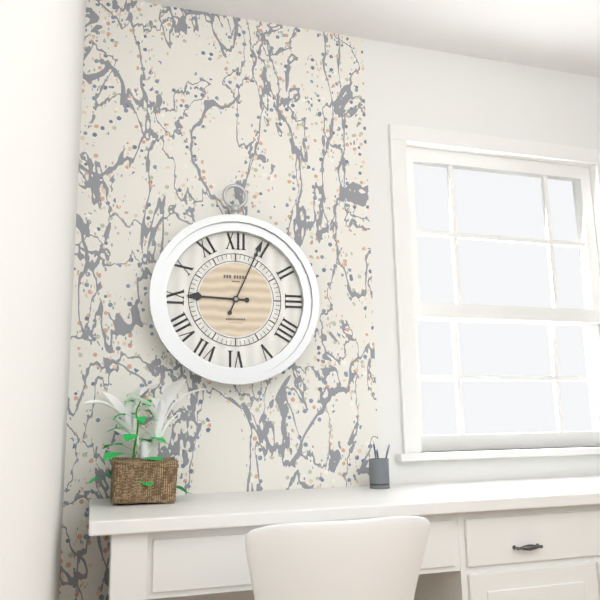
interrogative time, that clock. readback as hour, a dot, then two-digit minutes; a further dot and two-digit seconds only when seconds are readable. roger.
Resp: 9.04
